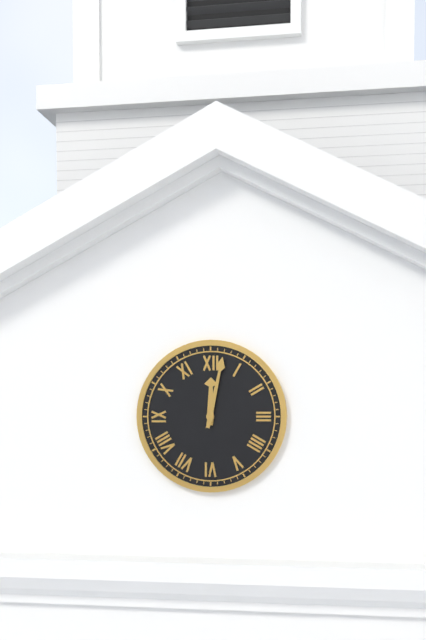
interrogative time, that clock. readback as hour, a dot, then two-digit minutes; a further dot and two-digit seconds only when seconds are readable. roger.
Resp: 12.02
